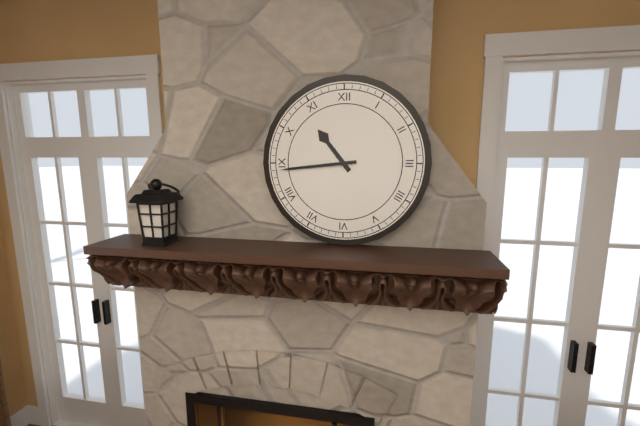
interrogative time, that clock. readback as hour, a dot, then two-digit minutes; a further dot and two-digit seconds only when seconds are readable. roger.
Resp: 10.44
